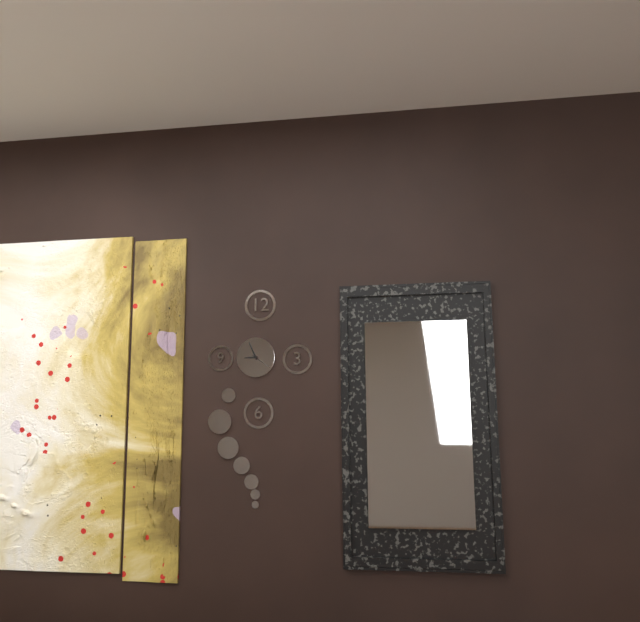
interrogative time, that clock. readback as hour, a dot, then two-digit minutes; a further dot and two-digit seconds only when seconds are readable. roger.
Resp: 8.56
